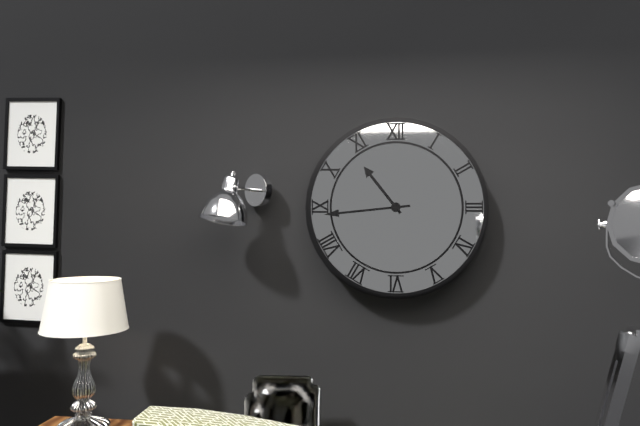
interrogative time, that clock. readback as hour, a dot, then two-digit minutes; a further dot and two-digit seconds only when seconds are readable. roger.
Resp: 10.44
